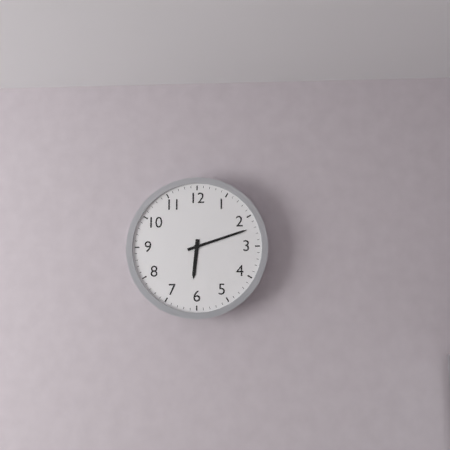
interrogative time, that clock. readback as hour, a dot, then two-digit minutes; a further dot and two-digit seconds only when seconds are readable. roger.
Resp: 6.12
